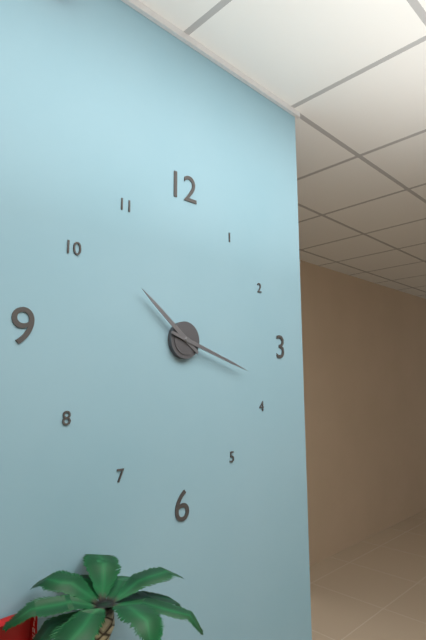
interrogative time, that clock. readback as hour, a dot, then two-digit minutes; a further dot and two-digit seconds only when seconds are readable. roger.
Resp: 10.18
